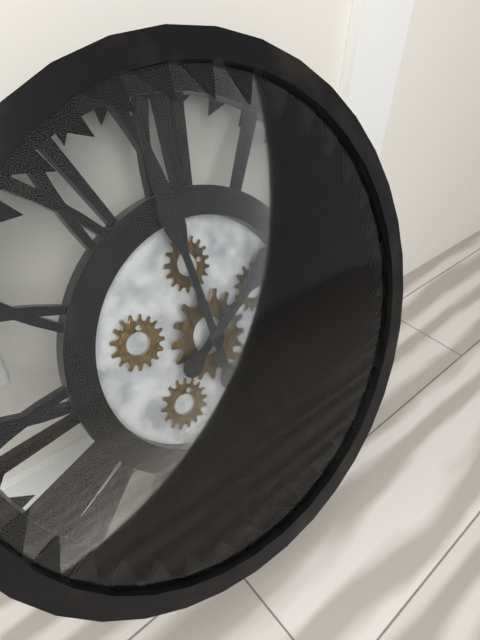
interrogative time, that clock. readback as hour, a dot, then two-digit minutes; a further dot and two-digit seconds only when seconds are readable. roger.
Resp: 1.59
